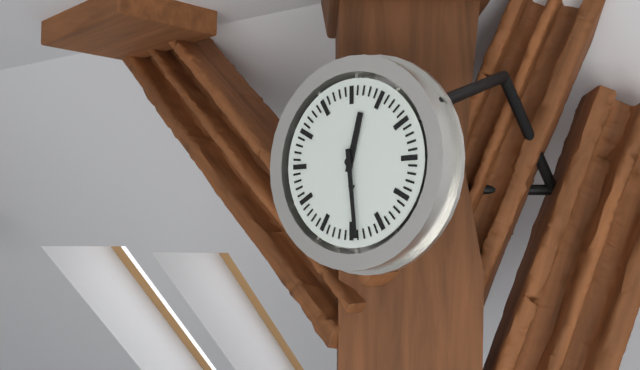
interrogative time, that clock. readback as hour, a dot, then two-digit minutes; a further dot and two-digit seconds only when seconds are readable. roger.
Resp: 12.29
